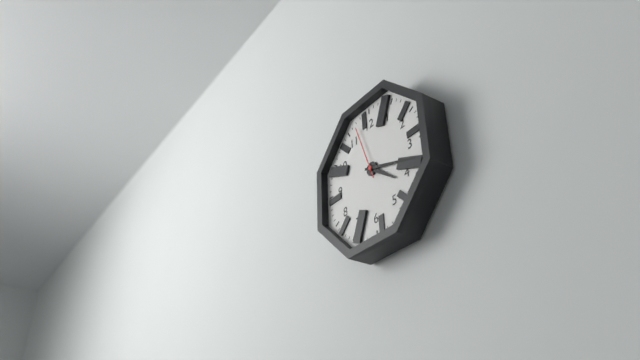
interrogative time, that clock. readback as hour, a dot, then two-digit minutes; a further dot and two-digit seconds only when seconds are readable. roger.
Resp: 4.18.57
